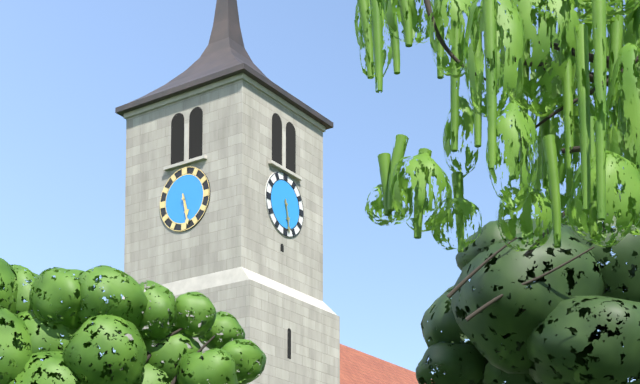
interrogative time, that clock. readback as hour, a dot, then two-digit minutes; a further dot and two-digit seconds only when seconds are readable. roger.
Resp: 5.28
